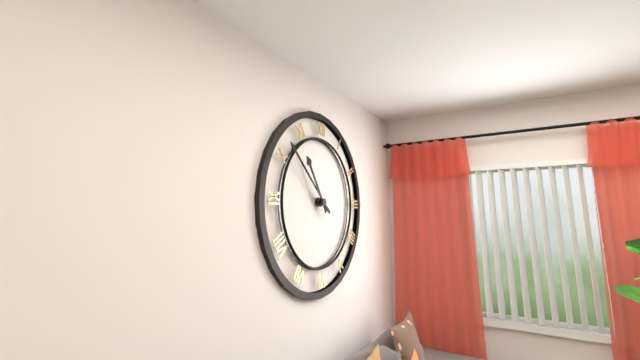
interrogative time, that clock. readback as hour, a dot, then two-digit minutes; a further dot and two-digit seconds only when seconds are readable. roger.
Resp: 10.52
